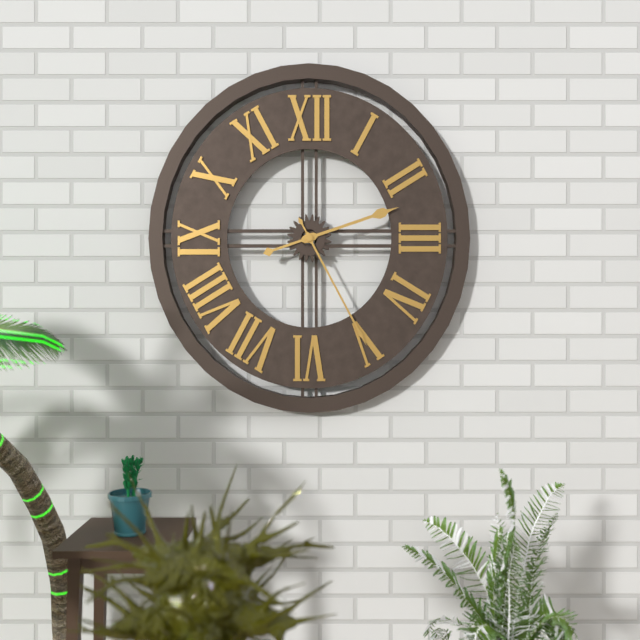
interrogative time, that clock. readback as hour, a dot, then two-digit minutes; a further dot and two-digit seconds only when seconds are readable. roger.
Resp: 2.25
